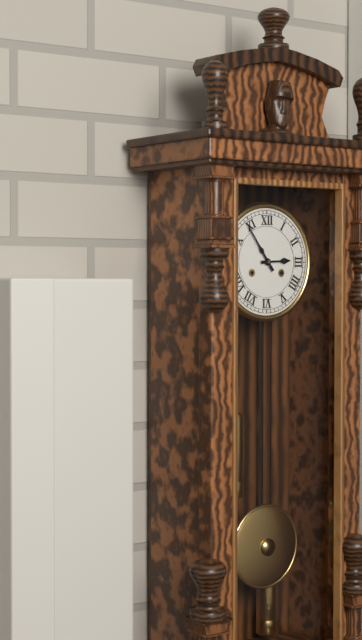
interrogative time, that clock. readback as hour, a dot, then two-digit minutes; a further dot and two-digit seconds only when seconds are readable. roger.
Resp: 2.54
